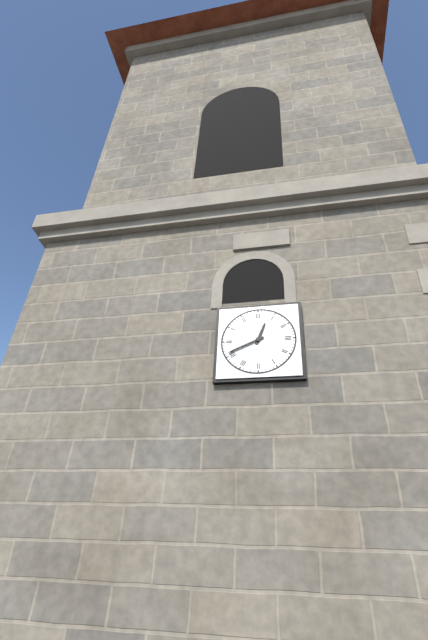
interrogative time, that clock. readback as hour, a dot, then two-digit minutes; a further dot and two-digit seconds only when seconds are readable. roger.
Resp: 12.41
